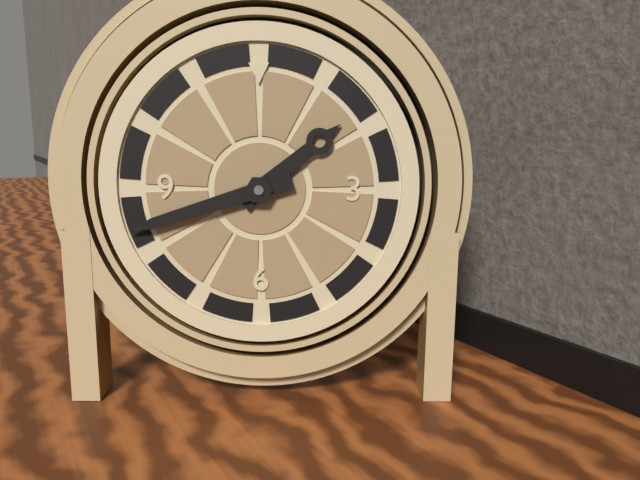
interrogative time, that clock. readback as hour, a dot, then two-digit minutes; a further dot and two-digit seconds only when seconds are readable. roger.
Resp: 1.42
